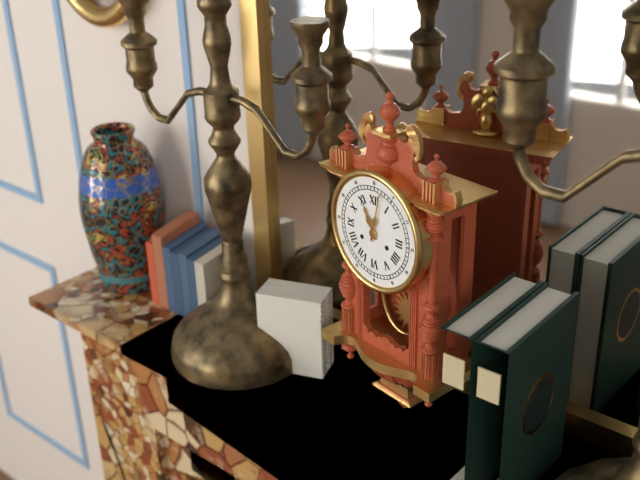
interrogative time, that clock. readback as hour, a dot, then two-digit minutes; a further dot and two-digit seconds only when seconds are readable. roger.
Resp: 11.02
